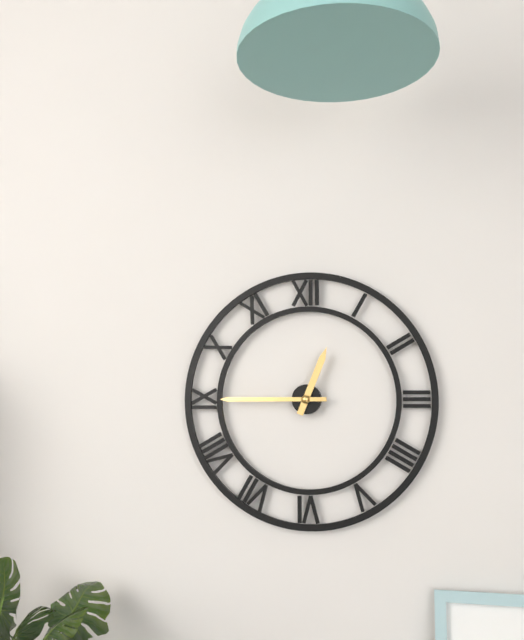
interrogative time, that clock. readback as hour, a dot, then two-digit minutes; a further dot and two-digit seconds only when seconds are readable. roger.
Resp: 12.45
